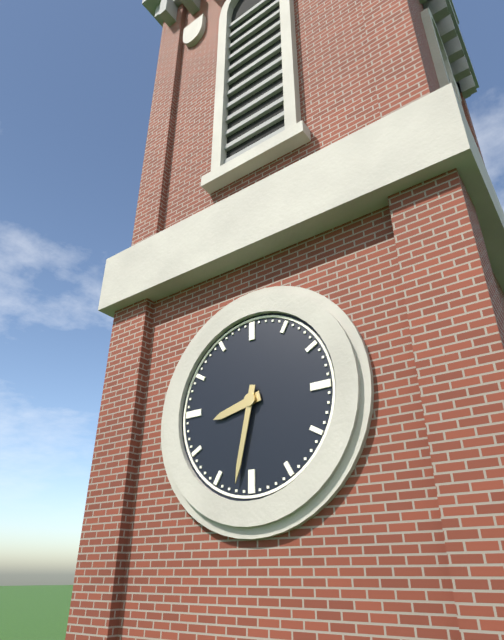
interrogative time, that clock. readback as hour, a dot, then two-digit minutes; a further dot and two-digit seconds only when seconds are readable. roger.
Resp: 8.32
